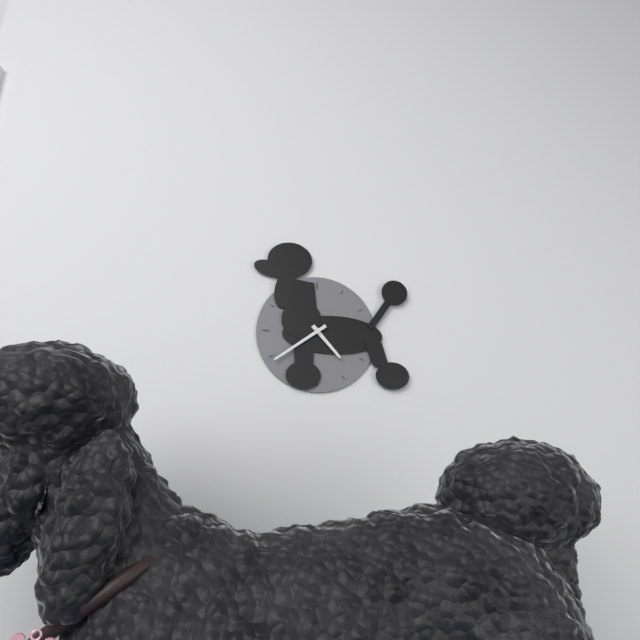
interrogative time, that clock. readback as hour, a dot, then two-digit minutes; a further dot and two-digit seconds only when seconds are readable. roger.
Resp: 4.39
